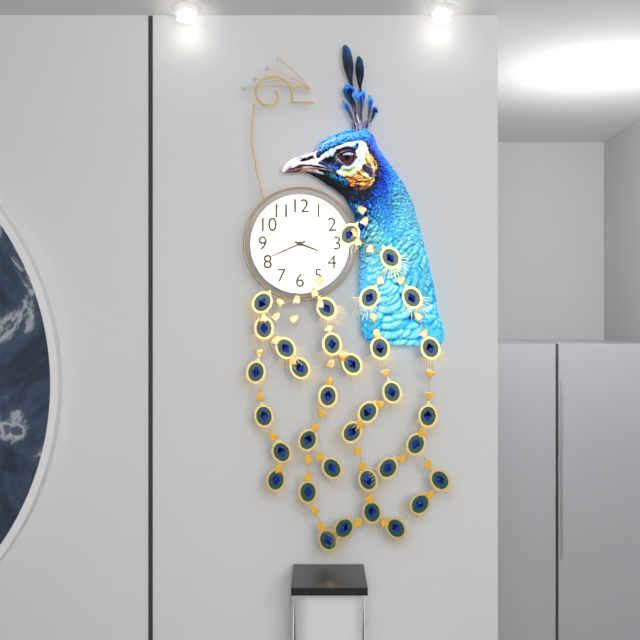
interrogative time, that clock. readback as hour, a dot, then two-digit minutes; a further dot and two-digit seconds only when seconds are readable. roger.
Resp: 3.41
